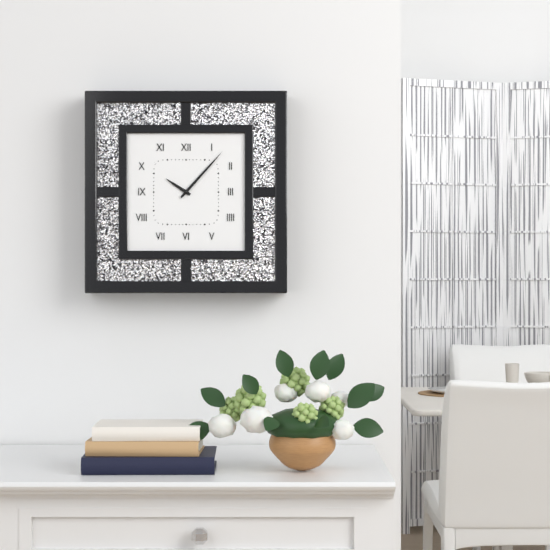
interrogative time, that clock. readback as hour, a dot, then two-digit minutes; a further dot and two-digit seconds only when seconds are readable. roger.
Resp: 10.07
